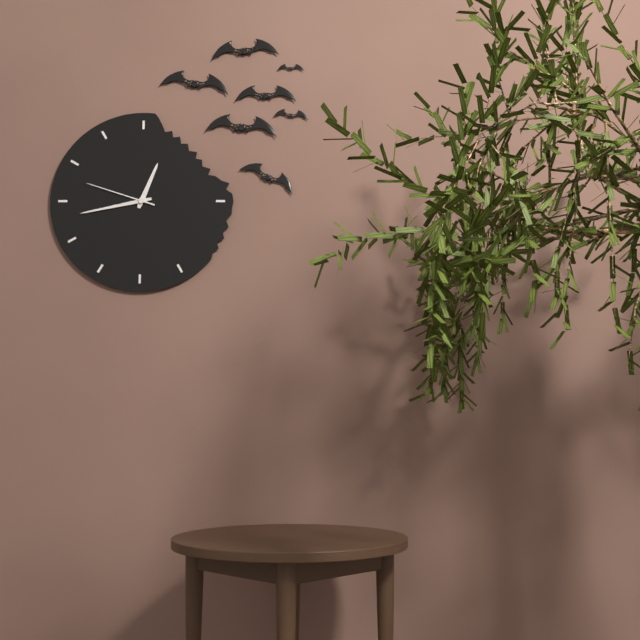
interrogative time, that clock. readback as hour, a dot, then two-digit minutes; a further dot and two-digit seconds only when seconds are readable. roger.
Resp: 12.43.48
